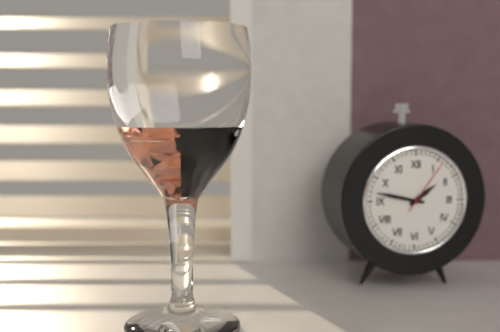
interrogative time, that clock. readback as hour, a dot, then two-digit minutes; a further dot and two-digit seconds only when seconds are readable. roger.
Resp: 1.47.06
